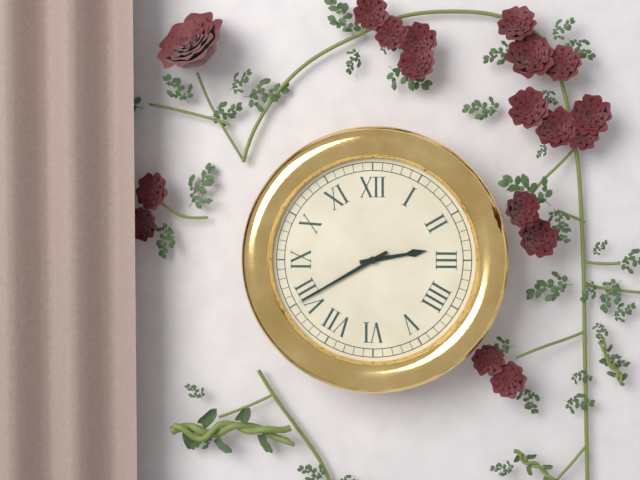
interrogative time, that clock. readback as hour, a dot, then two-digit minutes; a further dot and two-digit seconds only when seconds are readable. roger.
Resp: 2.40
